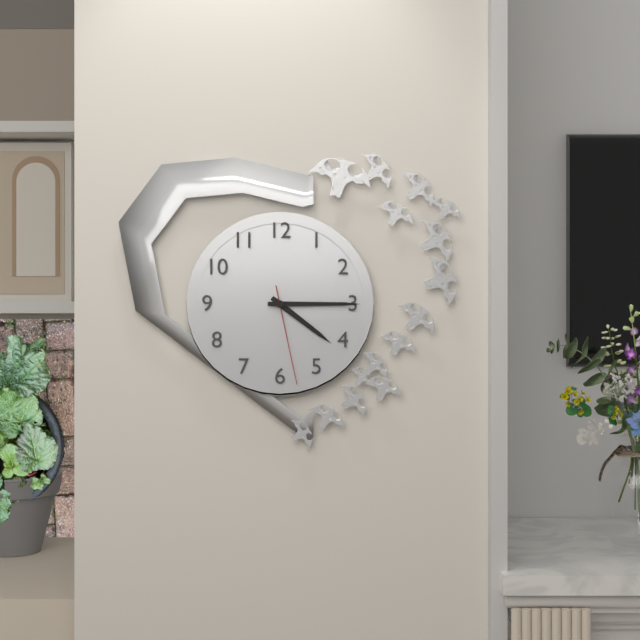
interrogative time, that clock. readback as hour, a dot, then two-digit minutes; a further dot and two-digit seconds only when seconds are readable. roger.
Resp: 4.15.28
